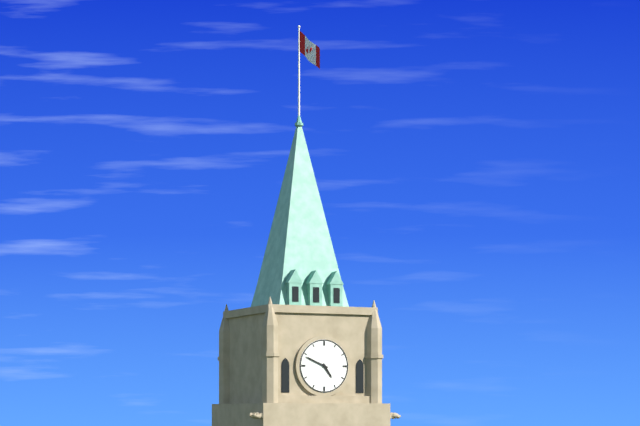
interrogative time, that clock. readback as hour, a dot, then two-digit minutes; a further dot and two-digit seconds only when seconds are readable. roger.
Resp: 4.49
